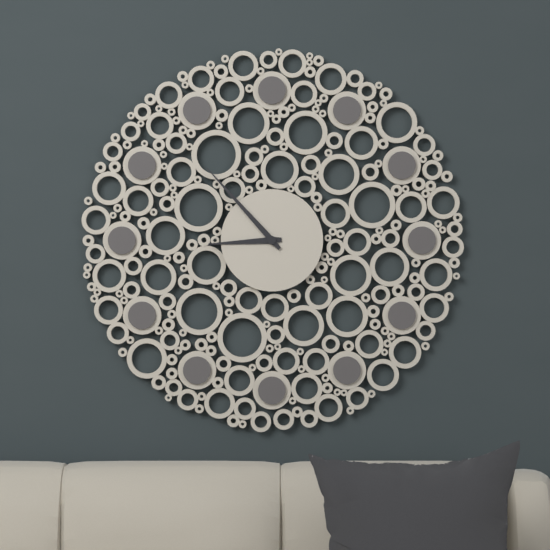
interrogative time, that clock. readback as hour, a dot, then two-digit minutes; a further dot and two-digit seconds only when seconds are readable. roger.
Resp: 8.53
